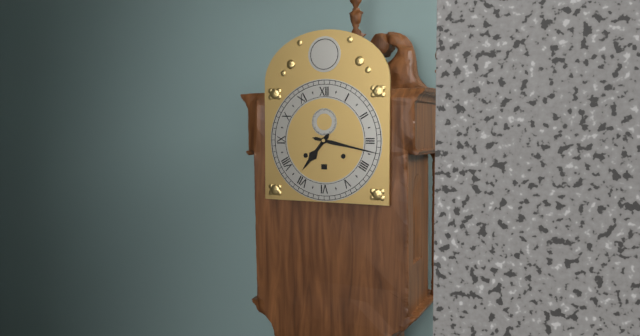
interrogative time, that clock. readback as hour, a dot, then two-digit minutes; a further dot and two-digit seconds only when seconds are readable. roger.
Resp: 7.17
